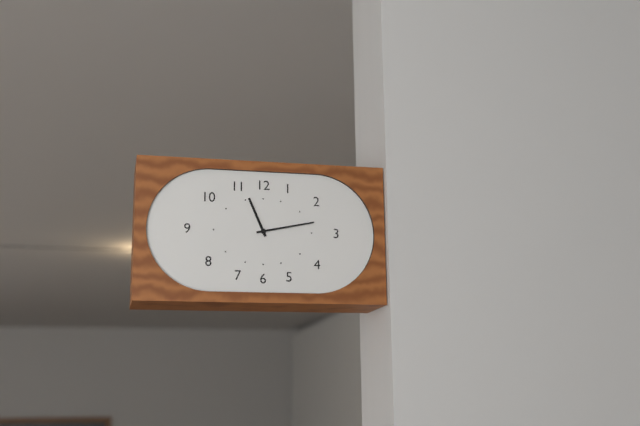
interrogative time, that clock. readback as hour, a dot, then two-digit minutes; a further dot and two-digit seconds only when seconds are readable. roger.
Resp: 11.13
